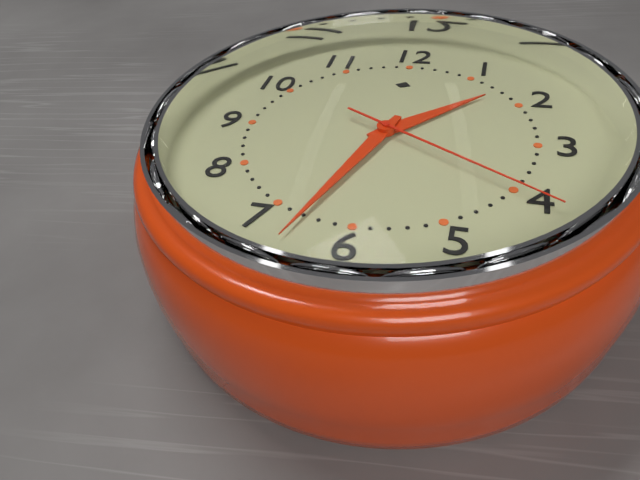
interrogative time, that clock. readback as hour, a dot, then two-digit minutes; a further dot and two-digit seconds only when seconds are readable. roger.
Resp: 1.33.20
